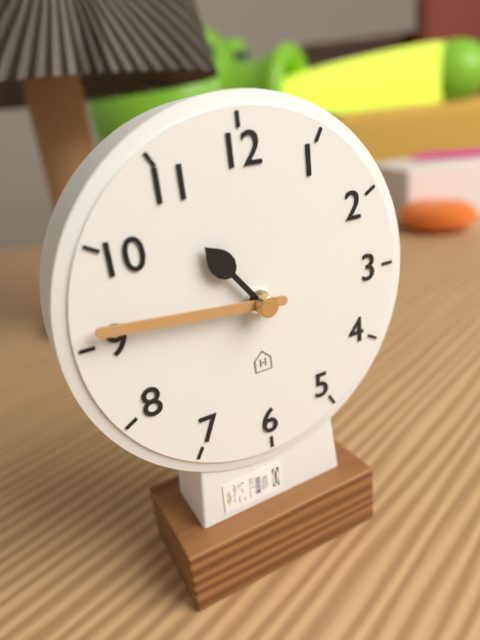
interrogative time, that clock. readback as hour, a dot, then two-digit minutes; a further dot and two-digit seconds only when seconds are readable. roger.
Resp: 10.46
